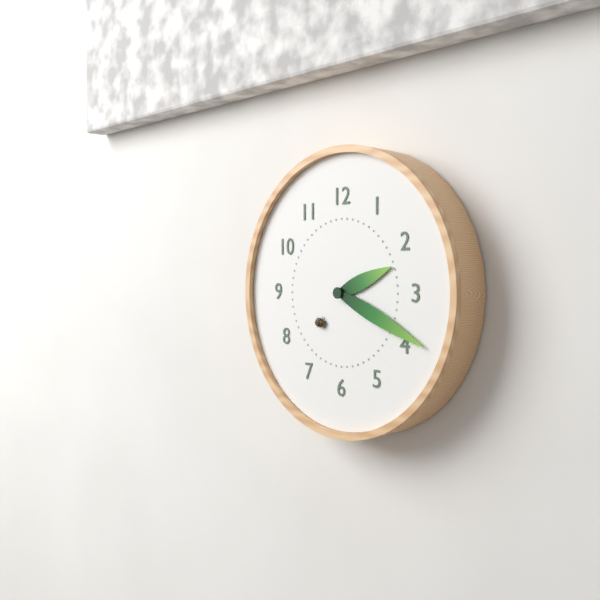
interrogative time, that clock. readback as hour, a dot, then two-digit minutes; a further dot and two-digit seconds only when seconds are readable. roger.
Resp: 2.19
